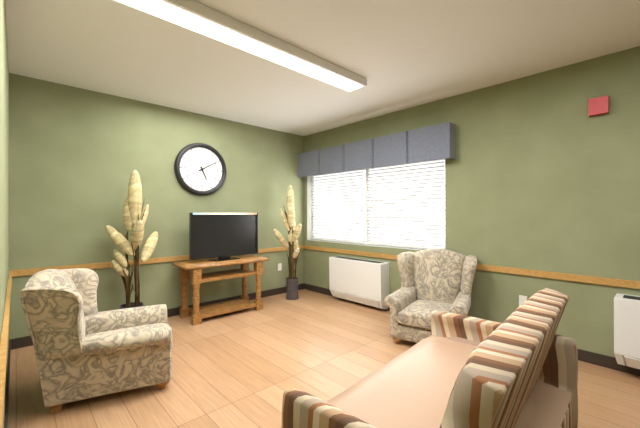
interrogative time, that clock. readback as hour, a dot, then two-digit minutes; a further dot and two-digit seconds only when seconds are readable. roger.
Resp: 5.10
